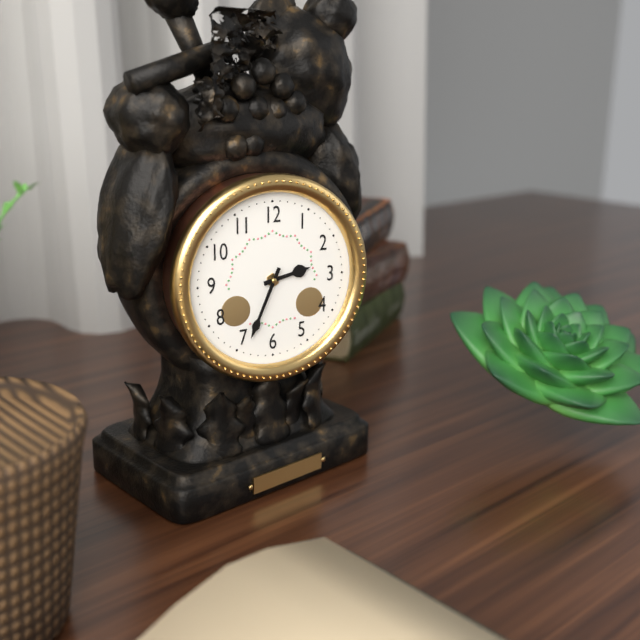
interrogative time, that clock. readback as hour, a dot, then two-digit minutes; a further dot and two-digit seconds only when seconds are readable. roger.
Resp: 2.34
